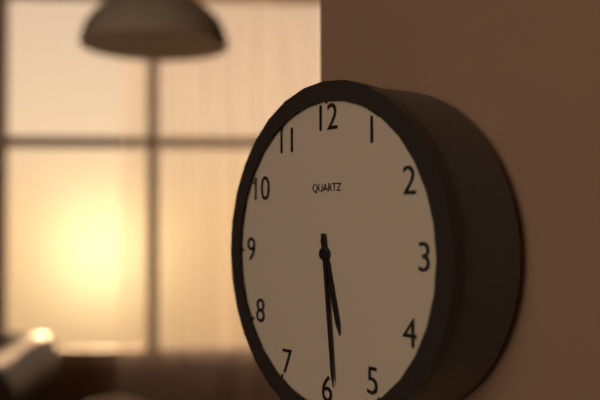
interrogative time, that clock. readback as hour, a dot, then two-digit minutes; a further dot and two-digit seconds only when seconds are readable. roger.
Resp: 5.29
